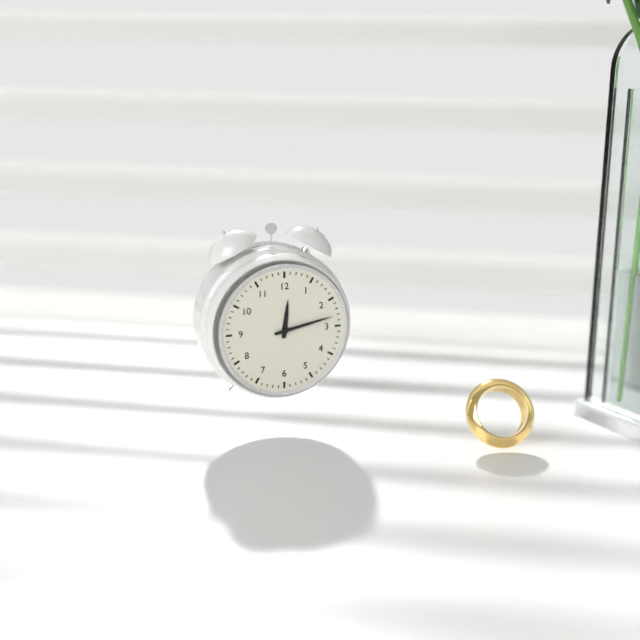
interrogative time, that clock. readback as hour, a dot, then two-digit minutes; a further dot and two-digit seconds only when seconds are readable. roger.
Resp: 12.13
